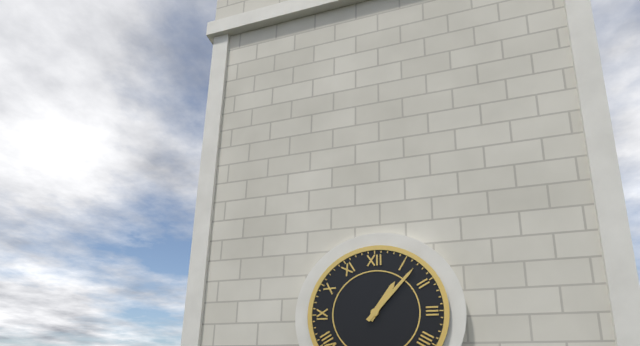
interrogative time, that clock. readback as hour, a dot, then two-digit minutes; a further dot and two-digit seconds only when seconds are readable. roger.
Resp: 1.07
